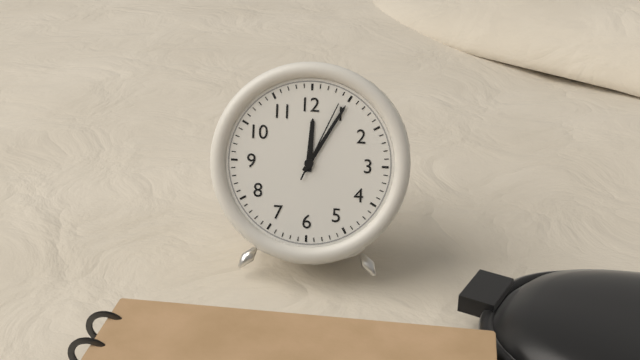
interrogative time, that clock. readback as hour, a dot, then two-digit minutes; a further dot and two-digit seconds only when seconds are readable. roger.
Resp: 12.05.04
